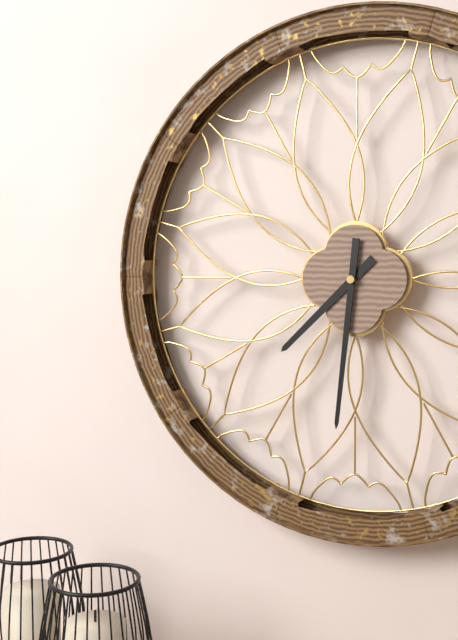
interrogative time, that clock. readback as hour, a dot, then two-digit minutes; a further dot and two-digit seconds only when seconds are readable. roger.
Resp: 7.31
